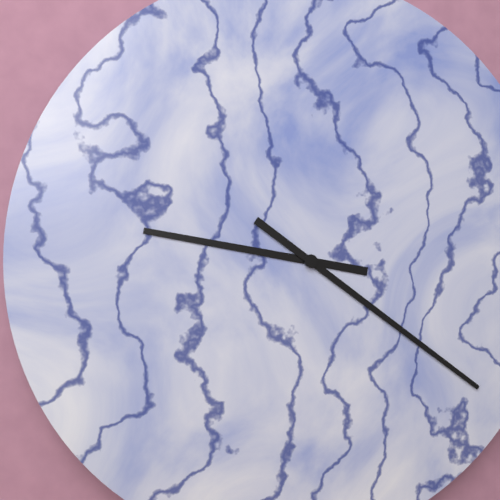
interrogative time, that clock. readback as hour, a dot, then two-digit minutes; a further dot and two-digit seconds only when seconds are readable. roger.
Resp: 9.21
